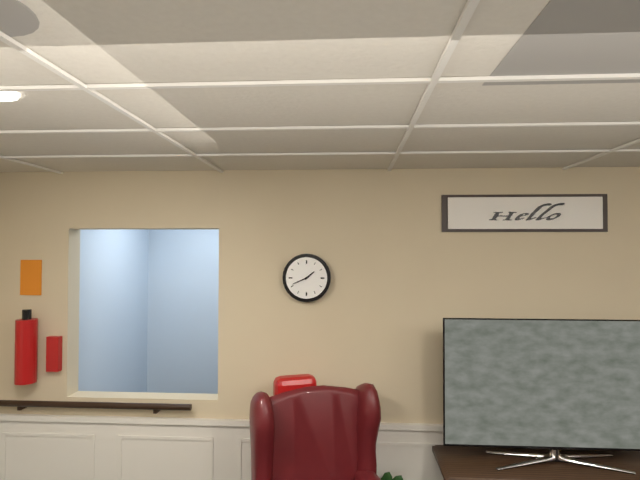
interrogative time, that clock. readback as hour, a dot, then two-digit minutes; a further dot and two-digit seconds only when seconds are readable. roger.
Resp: 1.41
